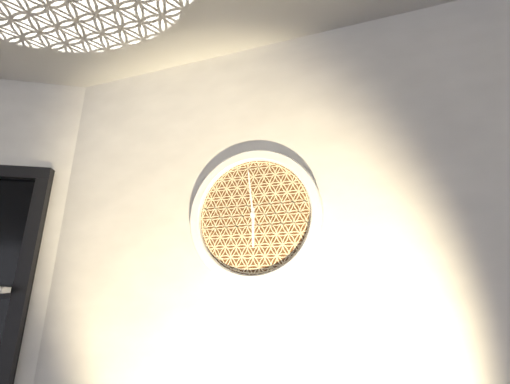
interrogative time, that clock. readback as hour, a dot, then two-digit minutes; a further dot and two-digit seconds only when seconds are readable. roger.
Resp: 5.59
